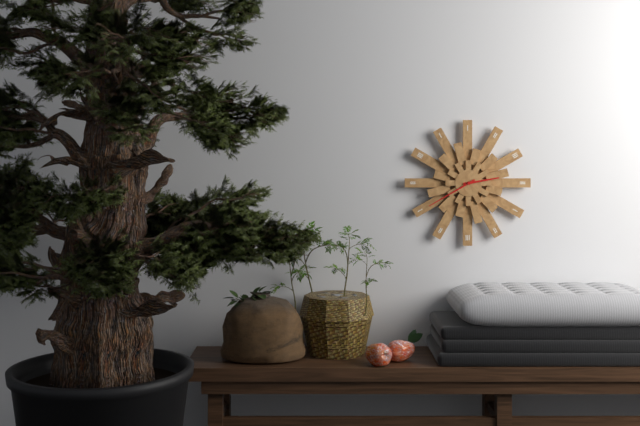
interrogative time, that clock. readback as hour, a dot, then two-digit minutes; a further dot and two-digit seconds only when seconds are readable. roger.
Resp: 2.40
